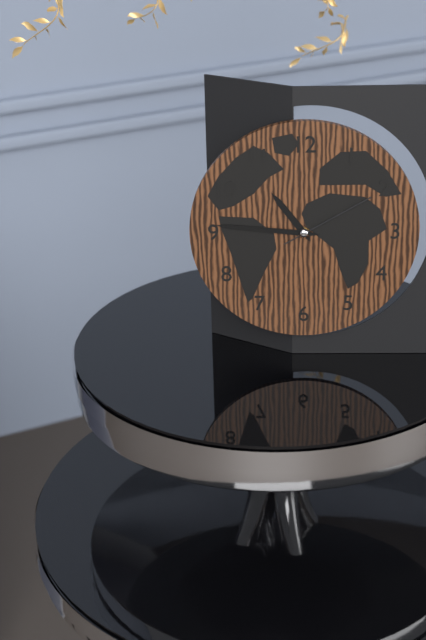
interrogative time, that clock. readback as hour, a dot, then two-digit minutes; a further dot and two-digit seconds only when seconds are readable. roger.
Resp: 10.46.10
